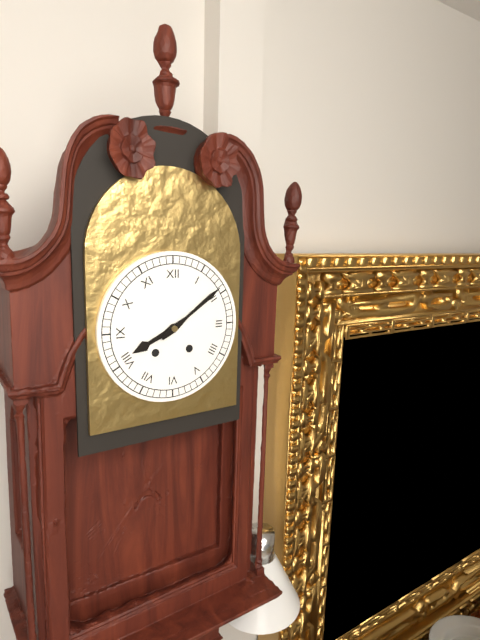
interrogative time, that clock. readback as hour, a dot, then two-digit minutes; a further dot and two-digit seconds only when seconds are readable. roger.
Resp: 8.09
